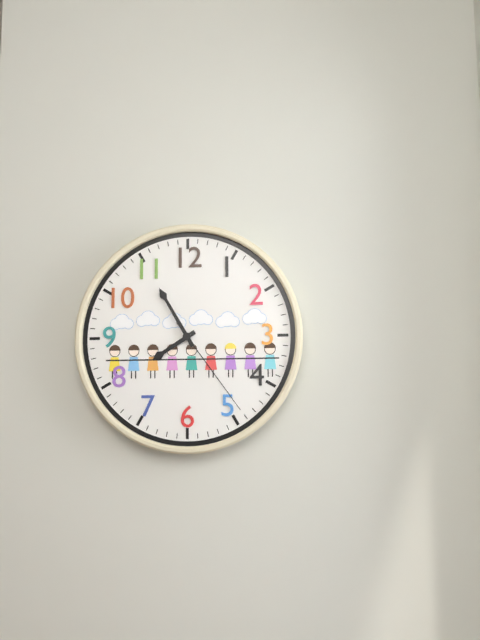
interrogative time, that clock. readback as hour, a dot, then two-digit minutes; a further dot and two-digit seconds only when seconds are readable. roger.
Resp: 7.55.24
